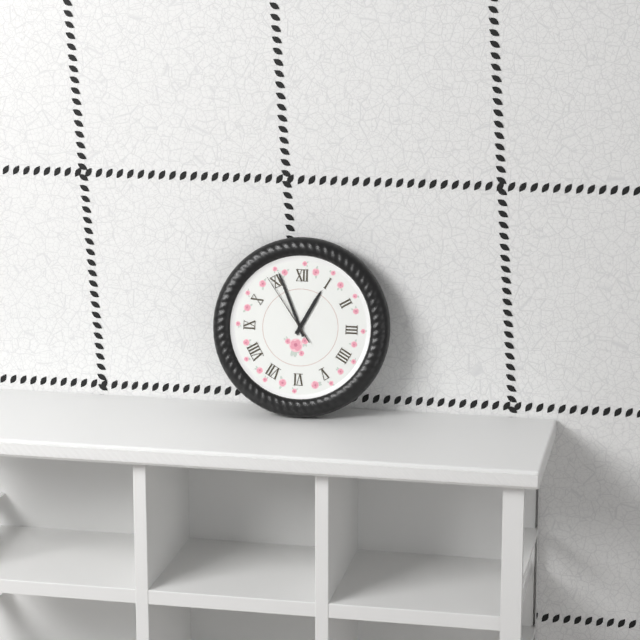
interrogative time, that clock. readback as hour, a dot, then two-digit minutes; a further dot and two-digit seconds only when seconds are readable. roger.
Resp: 12.56.54
